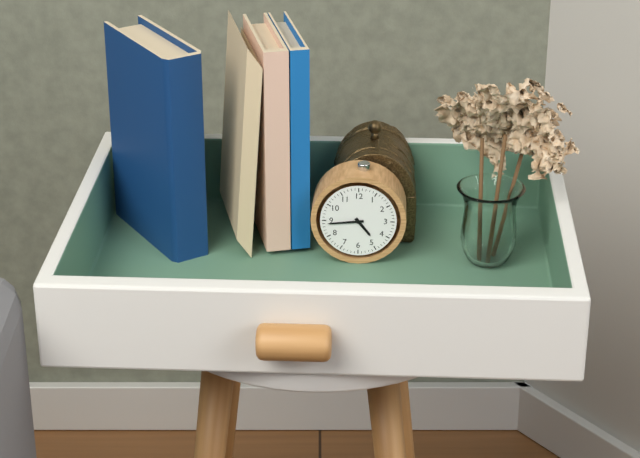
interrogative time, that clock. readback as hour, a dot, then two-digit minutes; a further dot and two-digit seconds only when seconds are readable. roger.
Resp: 4.44
